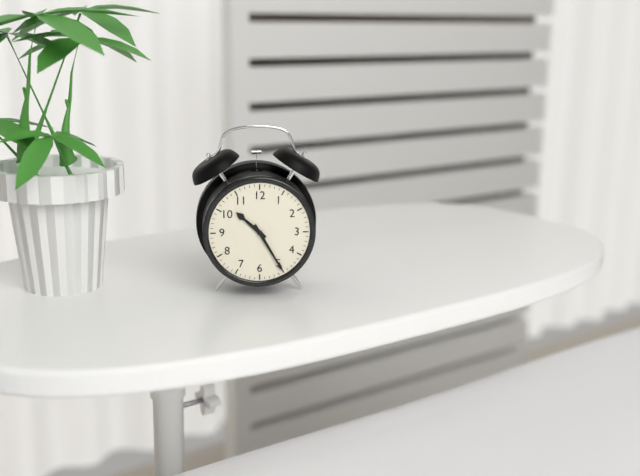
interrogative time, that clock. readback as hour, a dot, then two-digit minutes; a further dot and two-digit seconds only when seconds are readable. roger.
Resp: 10.25
